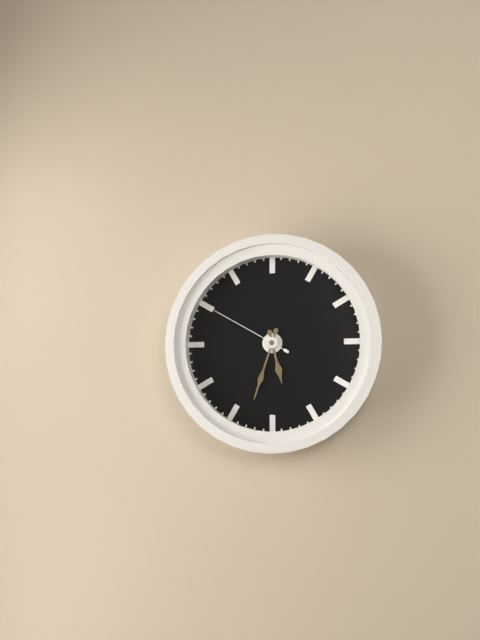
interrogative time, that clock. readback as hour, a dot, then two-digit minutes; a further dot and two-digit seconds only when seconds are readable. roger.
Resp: 5.33.50
